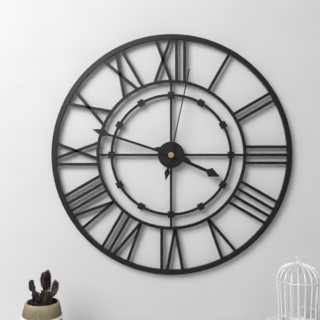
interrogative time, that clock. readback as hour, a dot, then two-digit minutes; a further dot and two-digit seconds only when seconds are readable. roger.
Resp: 3.48.02
